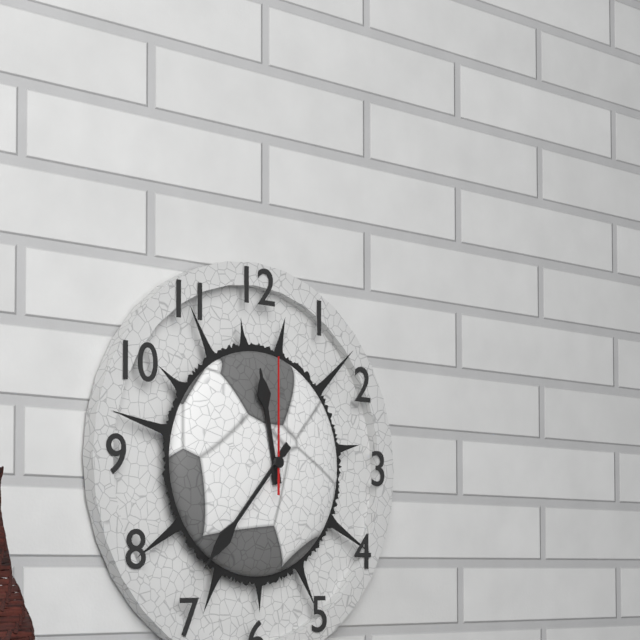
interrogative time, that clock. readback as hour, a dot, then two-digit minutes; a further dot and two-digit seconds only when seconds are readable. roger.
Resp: 11.37.00
